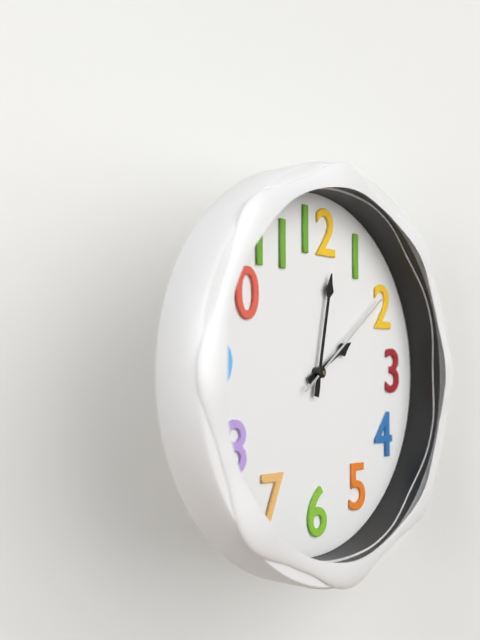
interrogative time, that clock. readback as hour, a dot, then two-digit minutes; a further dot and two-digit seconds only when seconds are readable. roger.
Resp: 2.02.09
